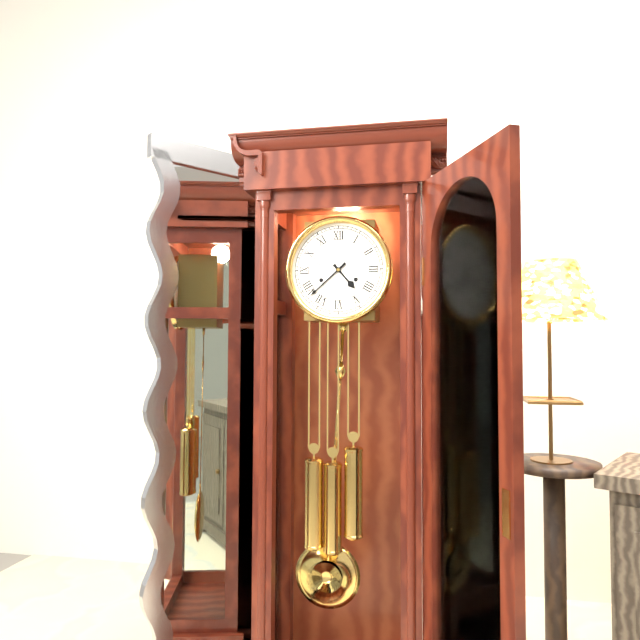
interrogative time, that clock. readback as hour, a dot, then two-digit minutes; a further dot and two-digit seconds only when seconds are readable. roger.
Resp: 4.38
